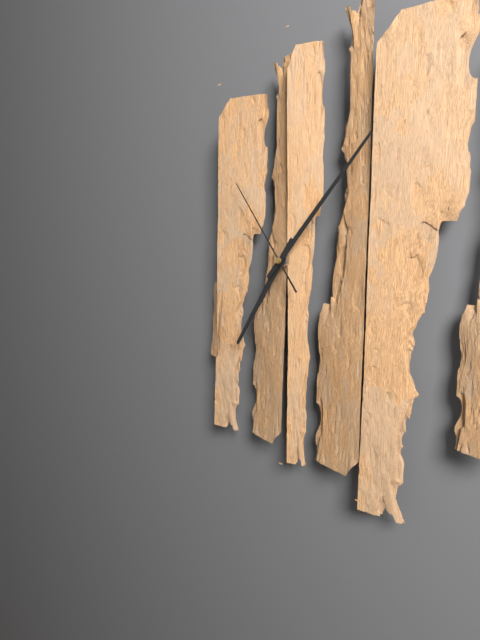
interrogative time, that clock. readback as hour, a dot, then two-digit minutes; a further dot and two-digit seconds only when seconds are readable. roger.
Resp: 7.07.54
